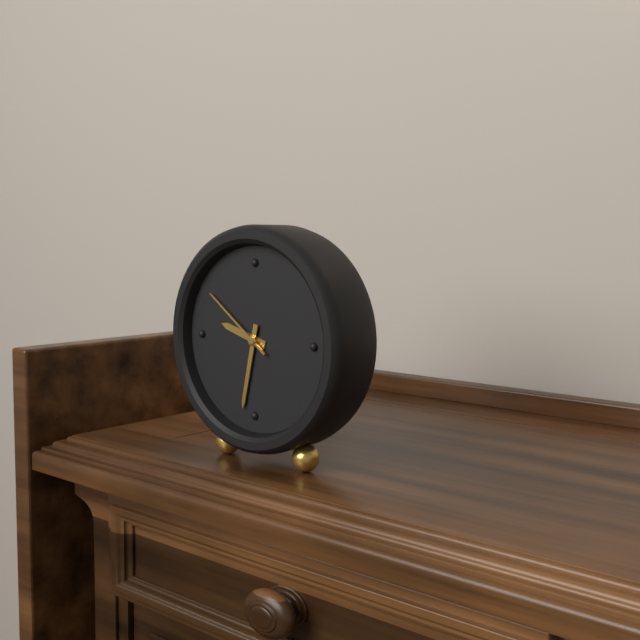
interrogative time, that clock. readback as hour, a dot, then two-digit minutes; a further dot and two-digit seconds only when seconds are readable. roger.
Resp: 9.32.51
